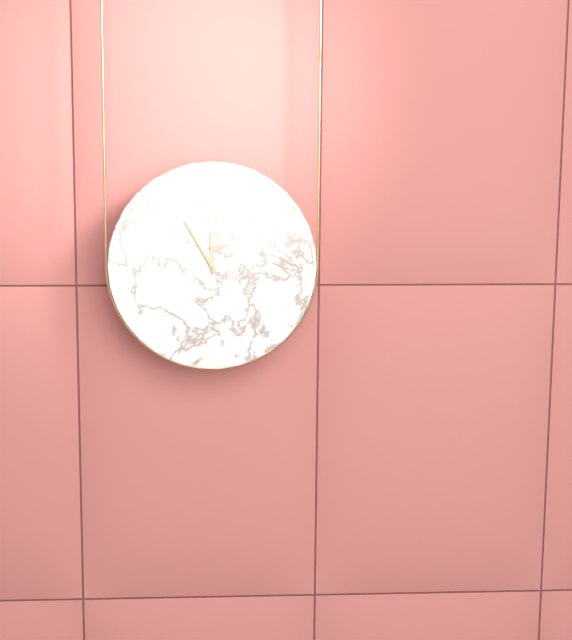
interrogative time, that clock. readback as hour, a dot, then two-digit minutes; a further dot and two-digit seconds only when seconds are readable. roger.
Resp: 11.55
